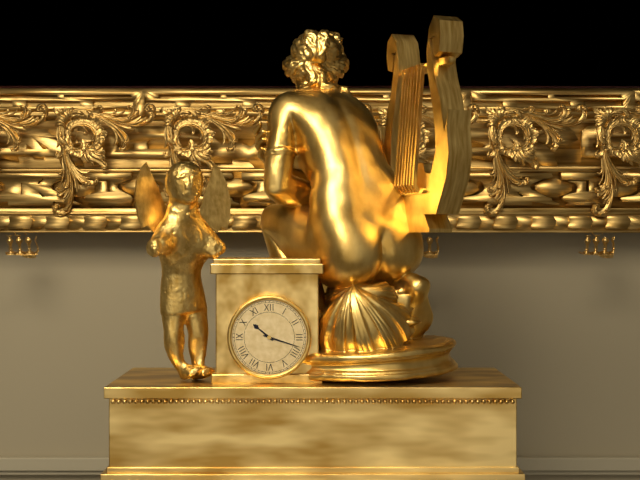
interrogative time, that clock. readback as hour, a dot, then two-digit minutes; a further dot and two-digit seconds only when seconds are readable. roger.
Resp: 10.18
